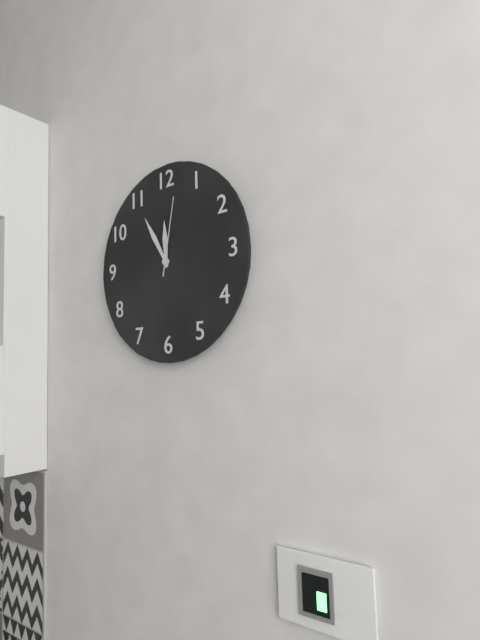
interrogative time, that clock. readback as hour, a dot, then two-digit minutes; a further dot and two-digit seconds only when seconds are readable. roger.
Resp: 11.55.02
